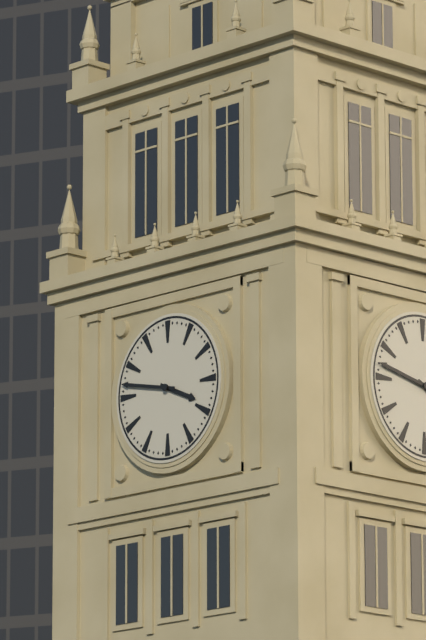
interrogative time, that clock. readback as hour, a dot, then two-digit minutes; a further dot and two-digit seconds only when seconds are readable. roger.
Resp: 3.47
